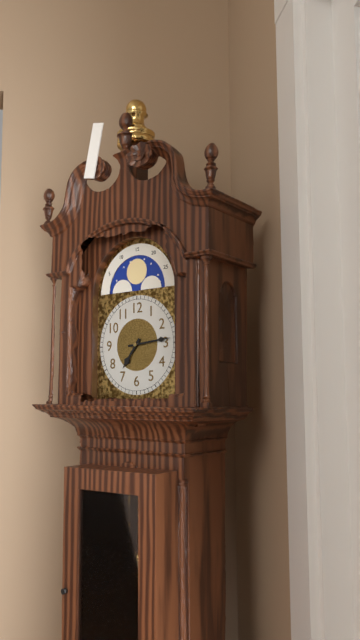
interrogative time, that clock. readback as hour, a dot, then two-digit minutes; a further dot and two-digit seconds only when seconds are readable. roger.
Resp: 7.14
